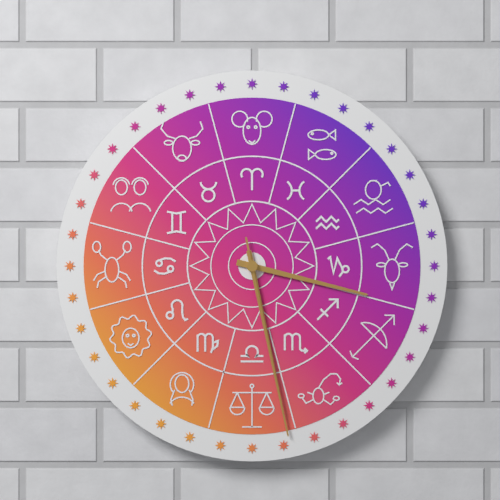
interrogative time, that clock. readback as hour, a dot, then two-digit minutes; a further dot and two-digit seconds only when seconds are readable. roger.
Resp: 3.28.28
